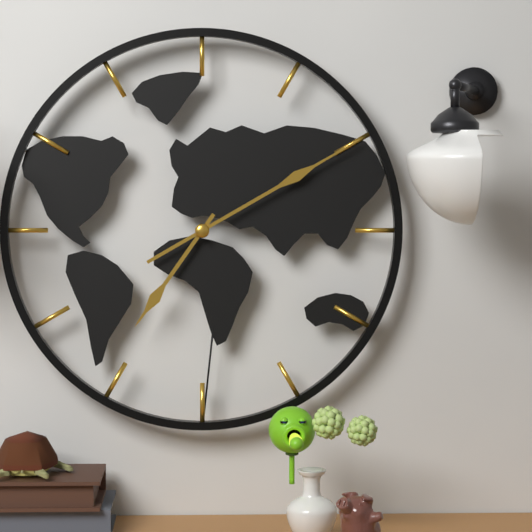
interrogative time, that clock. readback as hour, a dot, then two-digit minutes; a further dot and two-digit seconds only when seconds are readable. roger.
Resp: 7.10
